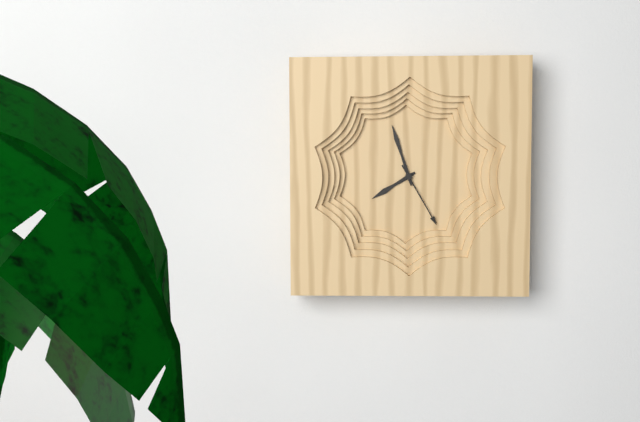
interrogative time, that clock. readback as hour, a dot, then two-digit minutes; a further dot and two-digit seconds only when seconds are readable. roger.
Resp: 7.57.25
